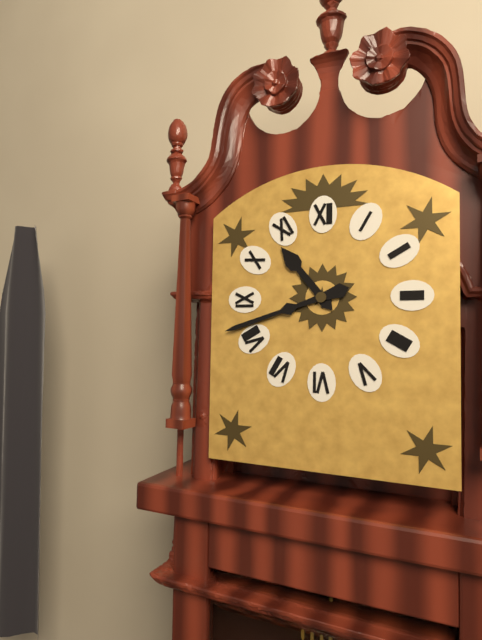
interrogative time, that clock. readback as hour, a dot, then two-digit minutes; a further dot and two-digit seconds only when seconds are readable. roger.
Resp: 10.42
